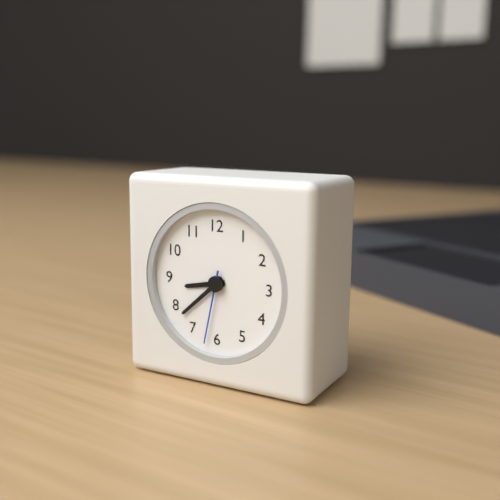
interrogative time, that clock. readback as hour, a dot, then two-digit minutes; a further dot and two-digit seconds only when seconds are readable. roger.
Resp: 8.38.32
